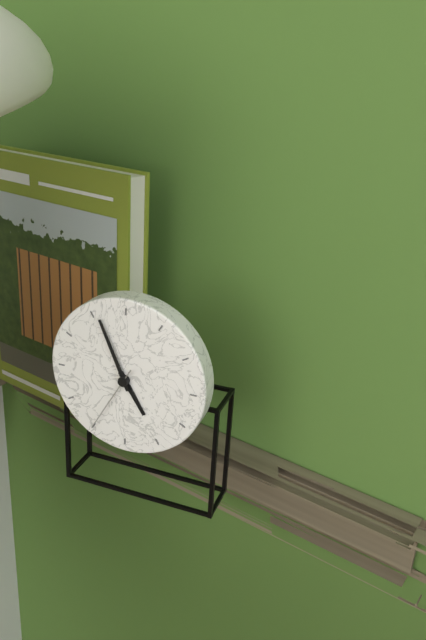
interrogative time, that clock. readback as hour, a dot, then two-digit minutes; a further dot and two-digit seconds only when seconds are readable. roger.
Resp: 4.56.35
